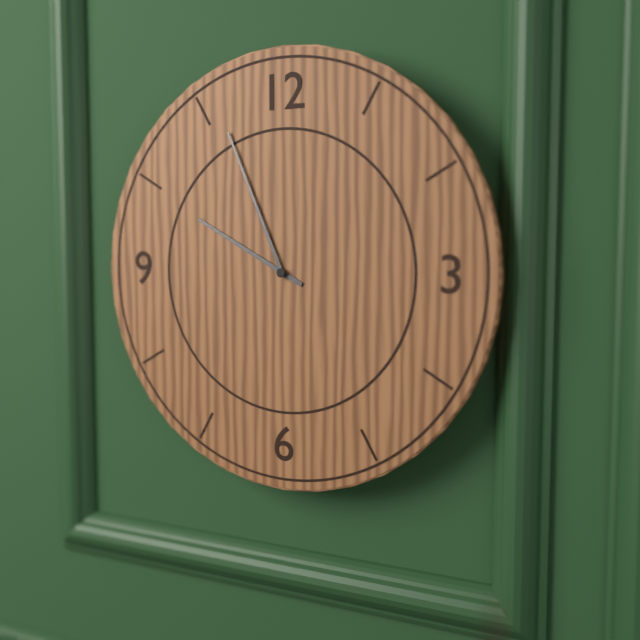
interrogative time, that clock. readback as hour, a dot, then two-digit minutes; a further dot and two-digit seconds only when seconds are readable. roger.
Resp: 9.56
